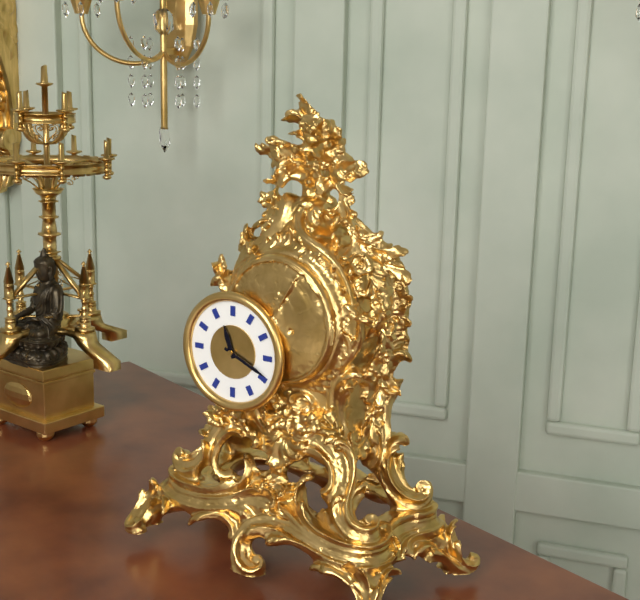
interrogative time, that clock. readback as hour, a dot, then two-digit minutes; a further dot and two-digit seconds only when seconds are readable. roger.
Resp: 11.19
